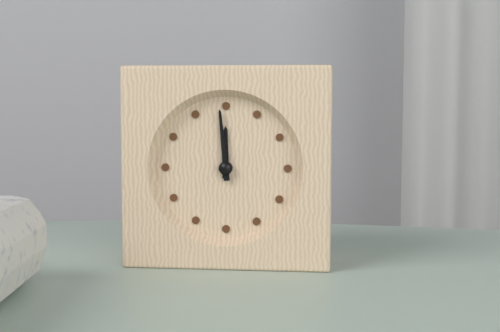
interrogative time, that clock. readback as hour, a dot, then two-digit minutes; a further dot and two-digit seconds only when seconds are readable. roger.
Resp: 11.59
